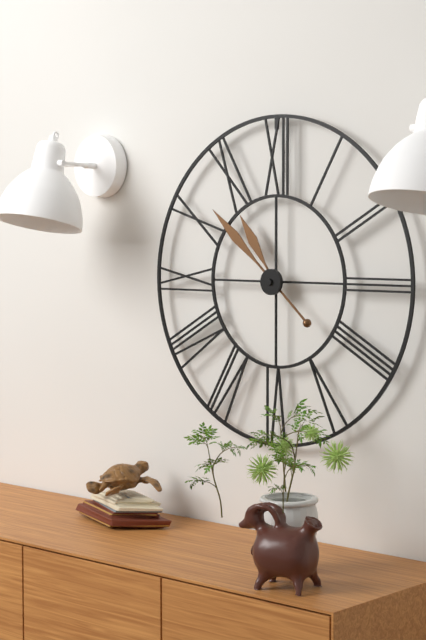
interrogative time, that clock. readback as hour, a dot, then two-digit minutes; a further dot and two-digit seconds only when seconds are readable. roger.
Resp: 10.52
